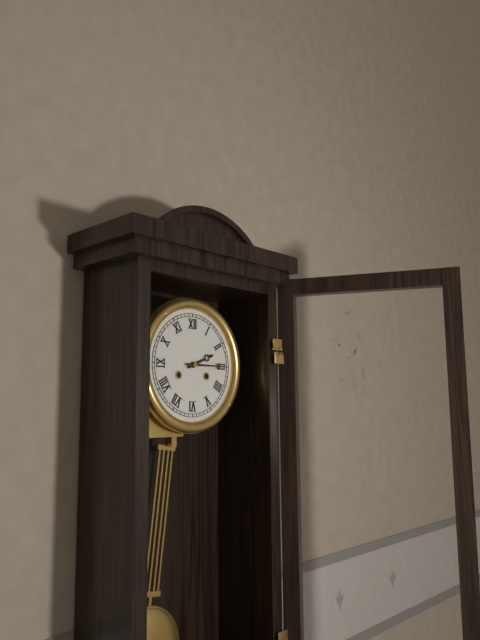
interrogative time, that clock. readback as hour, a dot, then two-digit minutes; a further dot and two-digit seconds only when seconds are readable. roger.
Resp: 2.15
